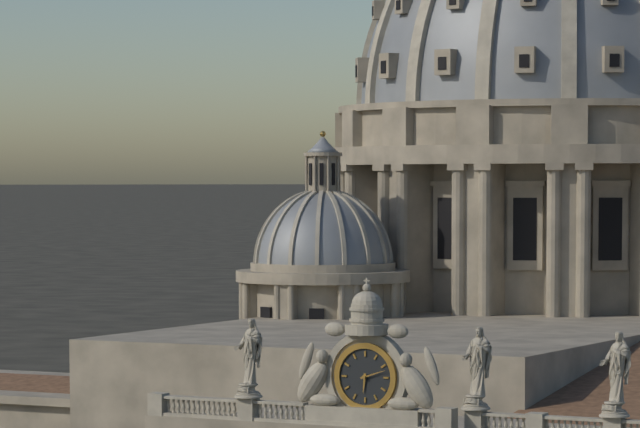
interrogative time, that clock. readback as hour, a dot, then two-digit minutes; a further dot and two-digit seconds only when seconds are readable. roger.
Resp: 6.12
